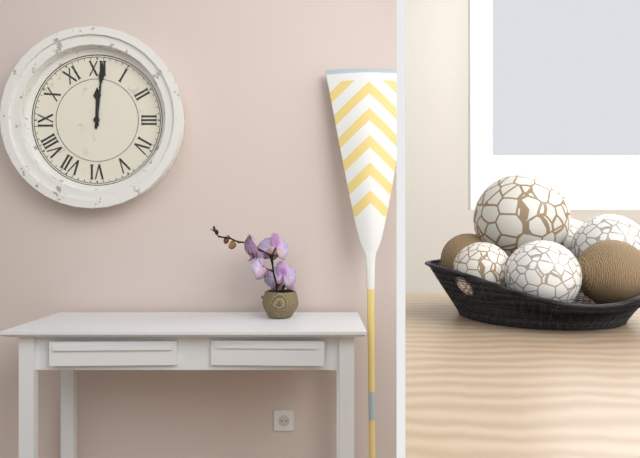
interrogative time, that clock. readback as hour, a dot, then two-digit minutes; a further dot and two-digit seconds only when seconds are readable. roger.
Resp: 12.01
